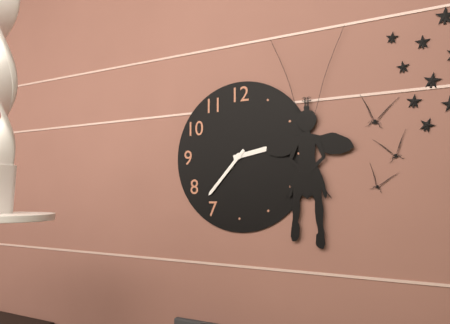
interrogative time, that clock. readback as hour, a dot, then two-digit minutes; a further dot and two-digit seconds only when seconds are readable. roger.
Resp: 2.37
